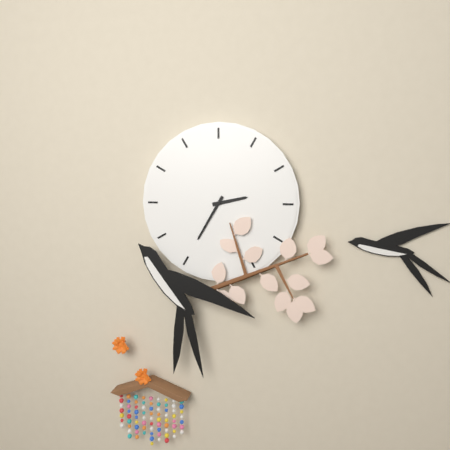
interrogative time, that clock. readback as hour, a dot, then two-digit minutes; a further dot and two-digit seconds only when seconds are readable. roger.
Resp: 2.35
